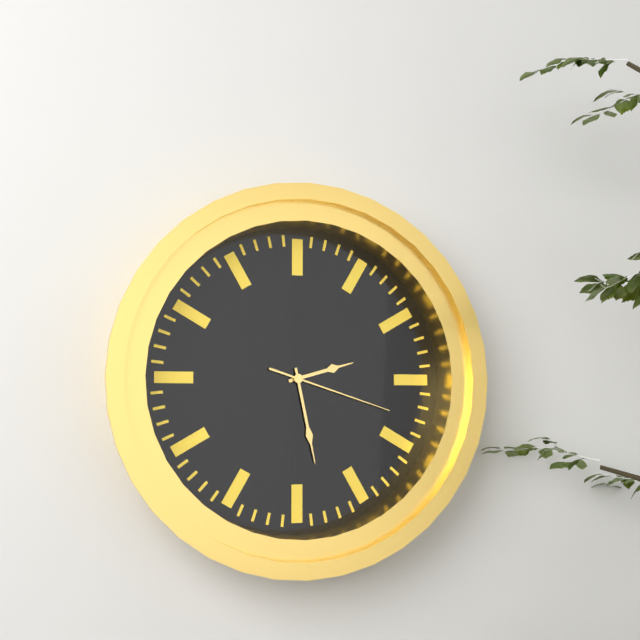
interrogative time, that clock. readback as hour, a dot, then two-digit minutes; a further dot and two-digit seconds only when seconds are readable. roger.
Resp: 2.28.18
